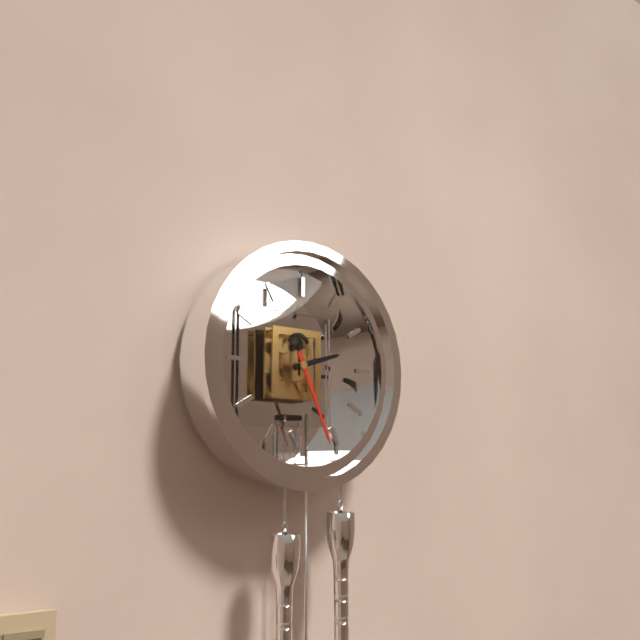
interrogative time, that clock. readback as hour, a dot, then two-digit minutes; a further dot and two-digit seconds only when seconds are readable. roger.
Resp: 2.26
